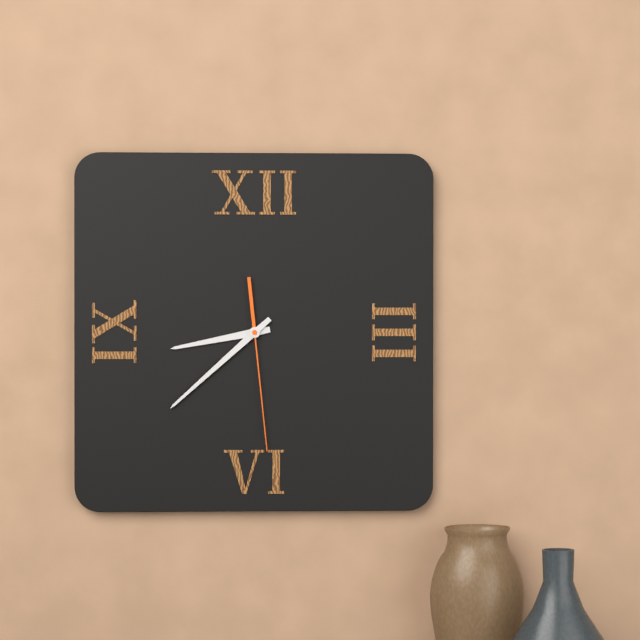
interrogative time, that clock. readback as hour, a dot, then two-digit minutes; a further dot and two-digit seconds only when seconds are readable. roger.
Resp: 8.38.29
